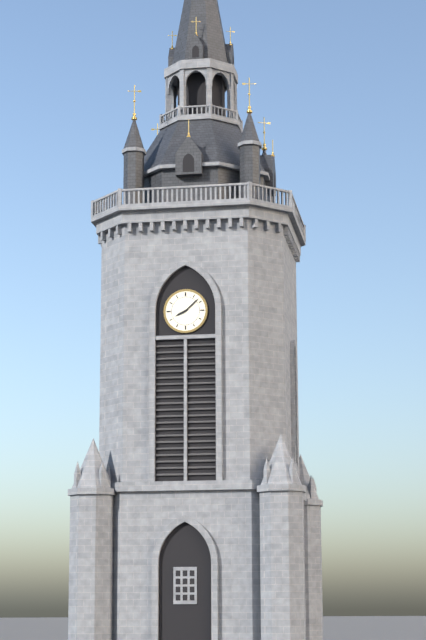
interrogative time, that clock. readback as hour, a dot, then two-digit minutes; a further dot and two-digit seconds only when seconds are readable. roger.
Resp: 8.08
